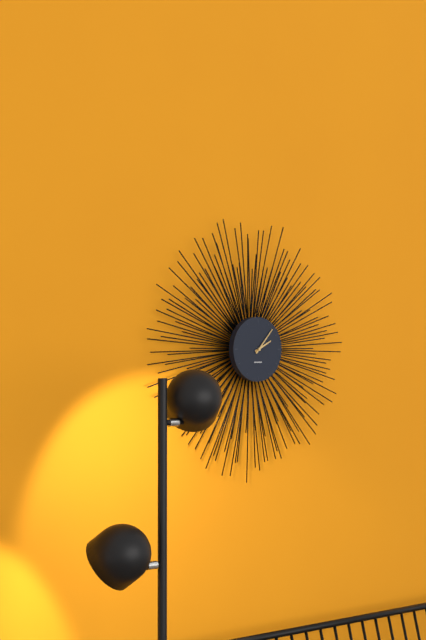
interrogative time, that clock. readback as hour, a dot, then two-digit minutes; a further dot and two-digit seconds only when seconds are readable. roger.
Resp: 2.07
